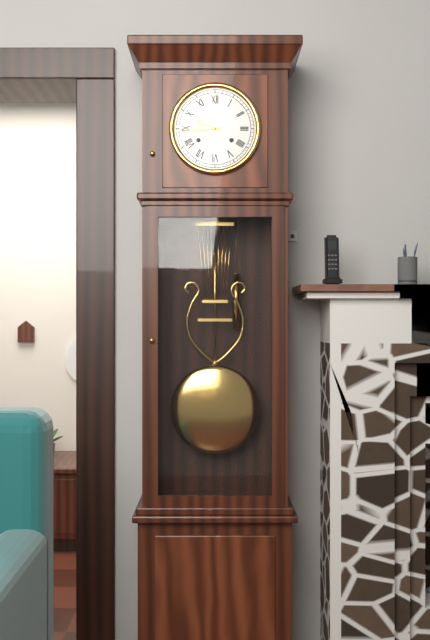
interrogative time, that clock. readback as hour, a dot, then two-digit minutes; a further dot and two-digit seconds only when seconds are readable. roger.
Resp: 9.44
